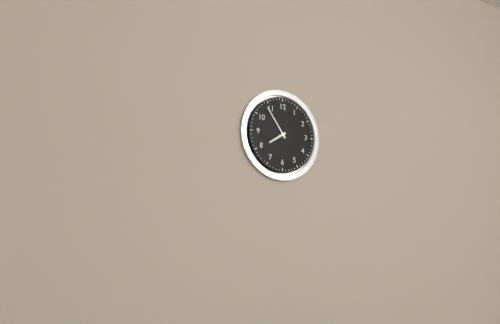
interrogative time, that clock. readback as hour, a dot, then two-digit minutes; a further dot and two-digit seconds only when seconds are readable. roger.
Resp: 7.54
